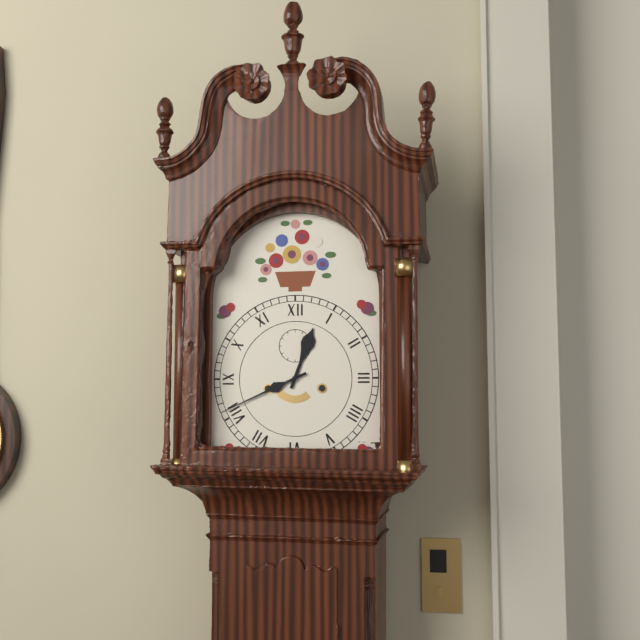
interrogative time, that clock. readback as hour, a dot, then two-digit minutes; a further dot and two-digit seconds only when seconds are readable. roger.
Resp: 12.41
